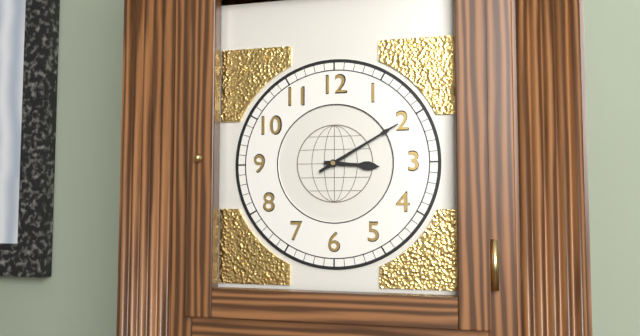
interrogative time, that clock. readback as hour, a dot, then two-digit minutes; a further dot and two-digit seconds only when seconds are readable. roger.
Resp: 3.10
